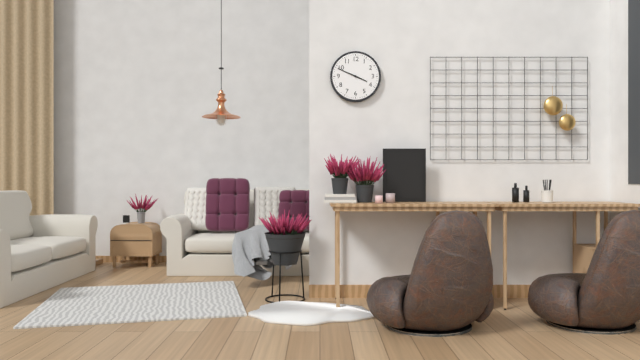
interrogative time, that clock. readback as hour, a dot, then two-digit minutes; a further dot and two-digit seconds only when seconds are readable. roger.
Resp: 3.49
